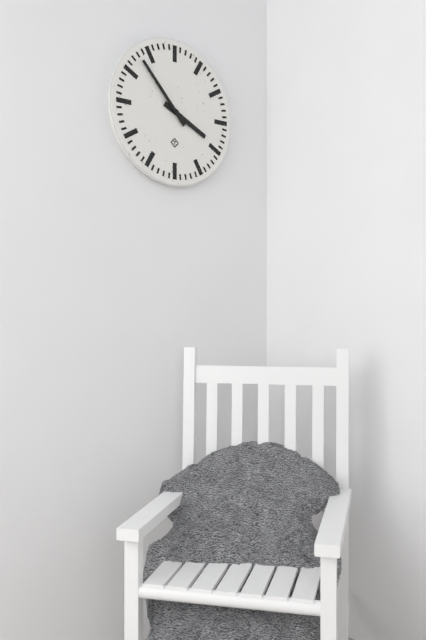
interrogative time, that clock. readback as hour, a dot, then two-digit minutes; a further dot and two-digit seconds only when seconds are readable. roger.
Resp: 3.53
